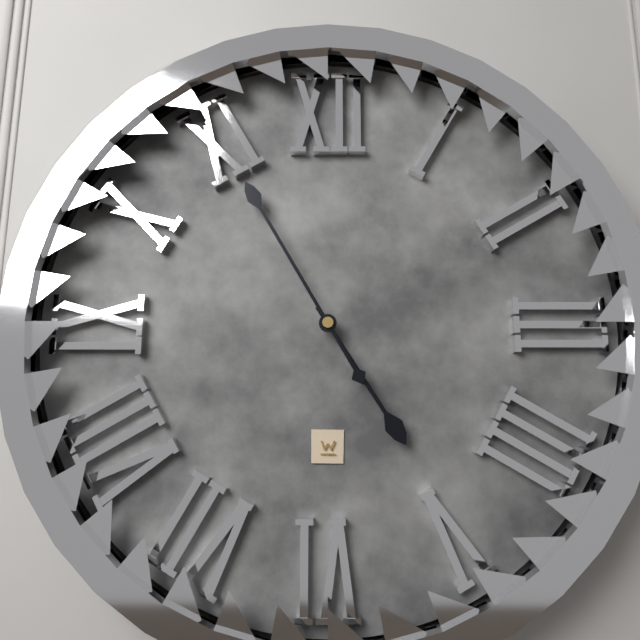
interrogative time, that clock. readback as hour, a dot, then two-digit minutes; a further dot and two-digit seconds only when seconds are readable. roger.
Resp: 4.55
